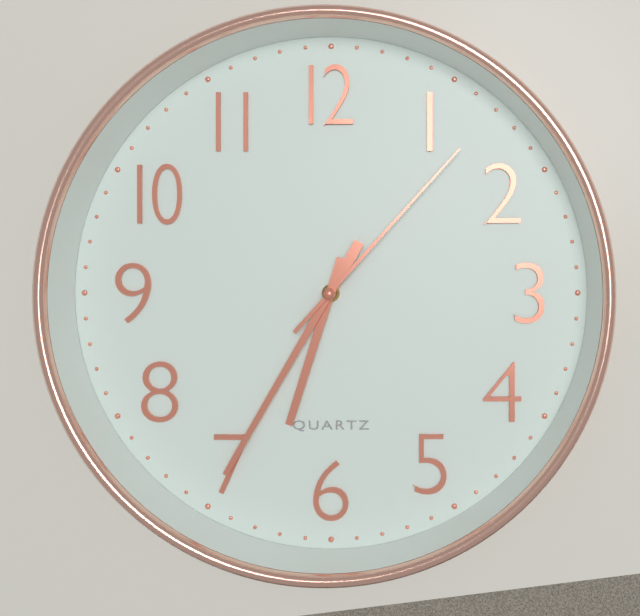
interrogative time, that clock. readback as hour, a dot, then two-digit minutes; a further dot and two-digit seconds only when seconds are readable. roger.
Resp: 6.35.07
